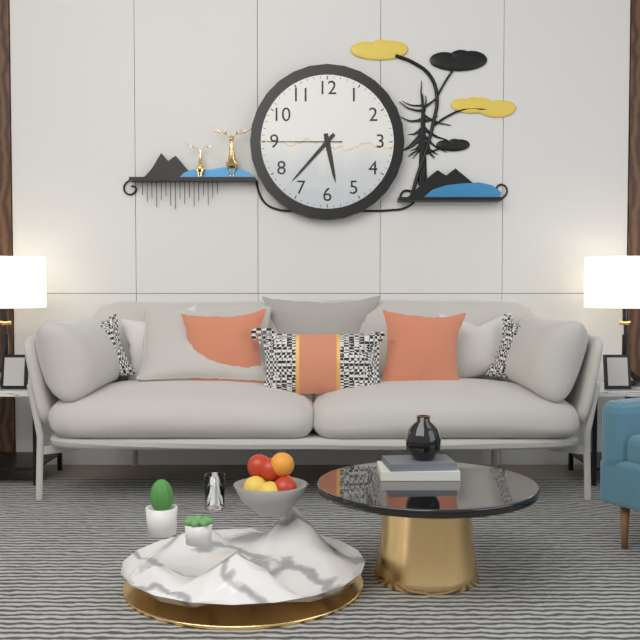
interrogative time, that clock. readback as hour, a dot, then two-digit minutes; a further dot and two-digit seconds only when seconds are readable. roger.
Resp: 5.37.45
